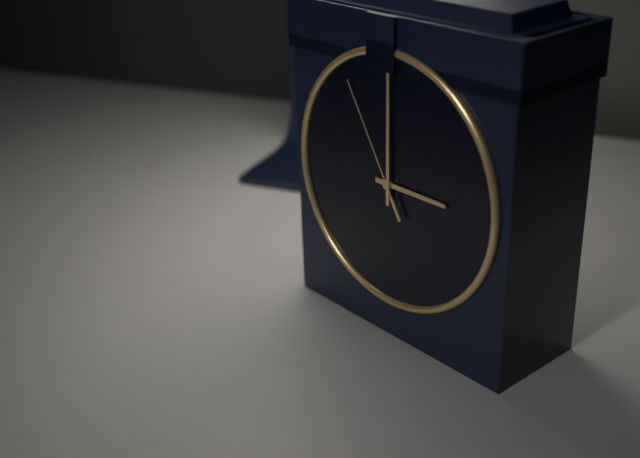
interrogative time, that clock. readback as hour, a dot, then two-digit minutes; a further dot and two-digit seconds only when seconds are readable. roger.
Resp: 3.00.55
